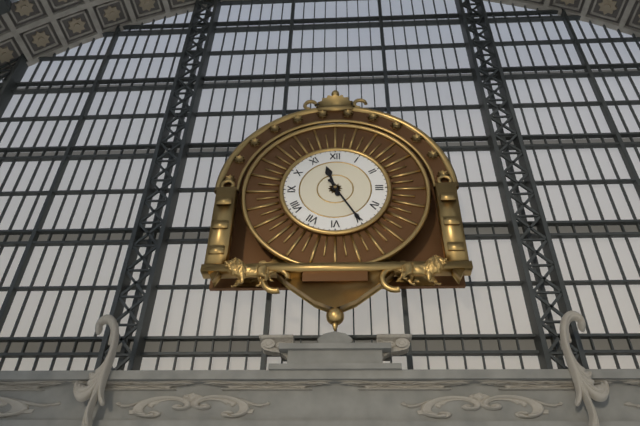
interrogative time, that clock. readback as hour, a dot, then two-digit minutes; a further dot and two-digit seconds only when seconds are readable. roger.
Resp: 11.25
